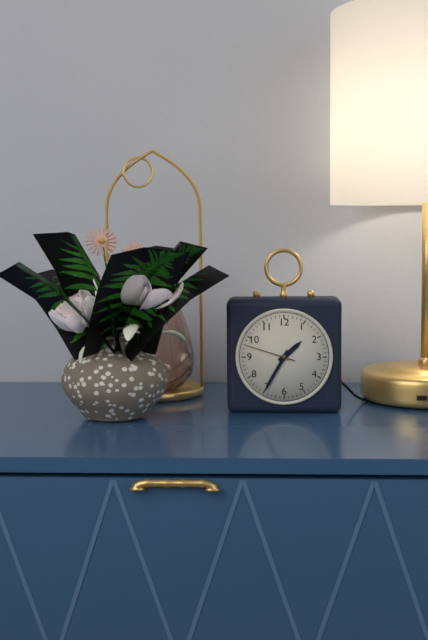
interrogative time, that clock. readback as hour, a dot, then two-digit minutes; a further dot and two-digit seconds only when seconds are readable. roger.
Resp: 1.35.48
